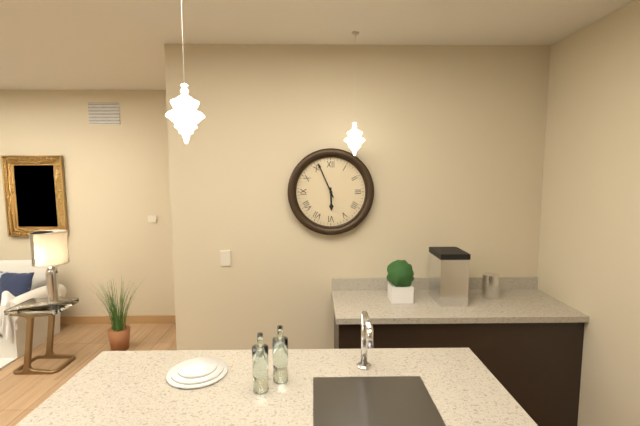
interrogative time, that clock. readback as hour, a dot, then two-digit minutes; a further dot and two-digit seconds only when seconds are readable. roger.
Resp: 5.56
